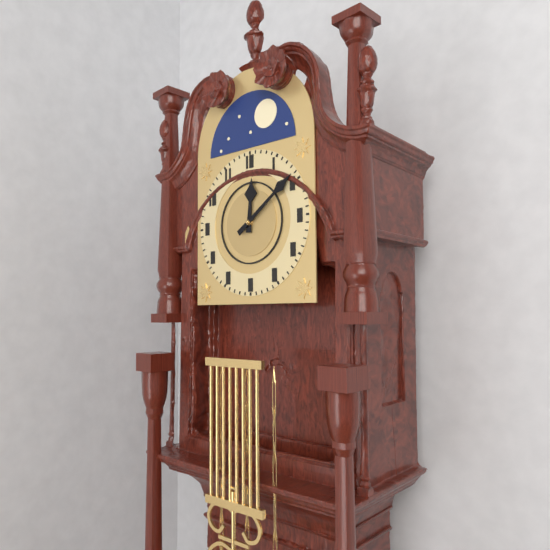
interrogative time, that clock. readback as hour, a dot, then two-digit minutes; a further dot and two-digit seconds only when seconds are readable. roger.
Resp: 12.09
